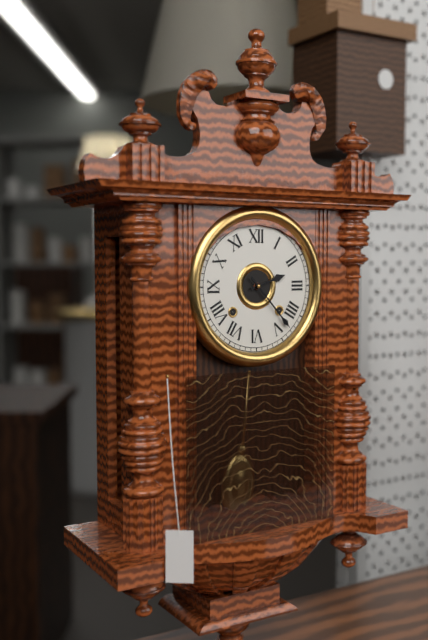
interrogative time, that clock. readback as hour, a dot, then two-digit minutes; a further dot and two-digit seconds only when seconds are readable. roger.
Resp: 2.23
